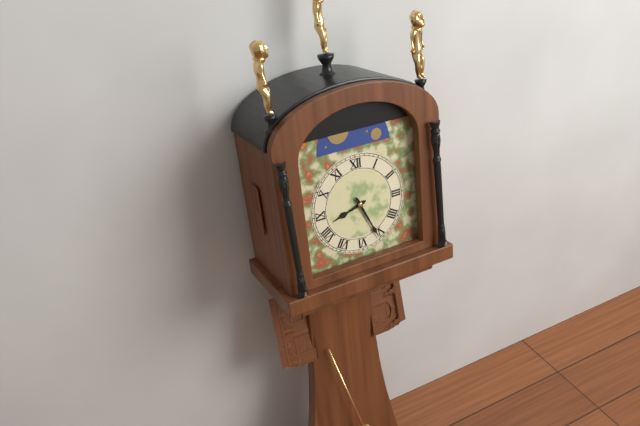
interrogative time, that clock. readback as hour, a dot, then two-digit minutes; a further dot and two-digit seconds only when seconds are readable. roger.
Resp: 8.26
